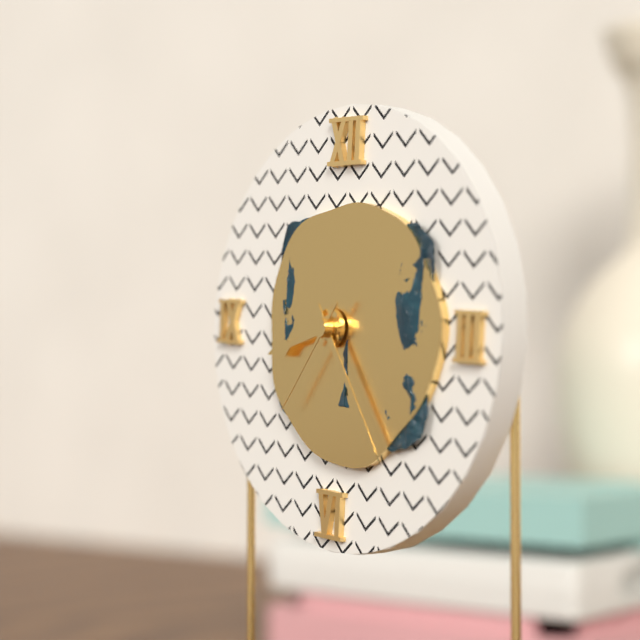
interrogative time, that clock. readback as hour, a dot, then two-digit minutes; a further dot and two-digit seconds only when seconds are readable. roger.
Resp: 8.24.36
